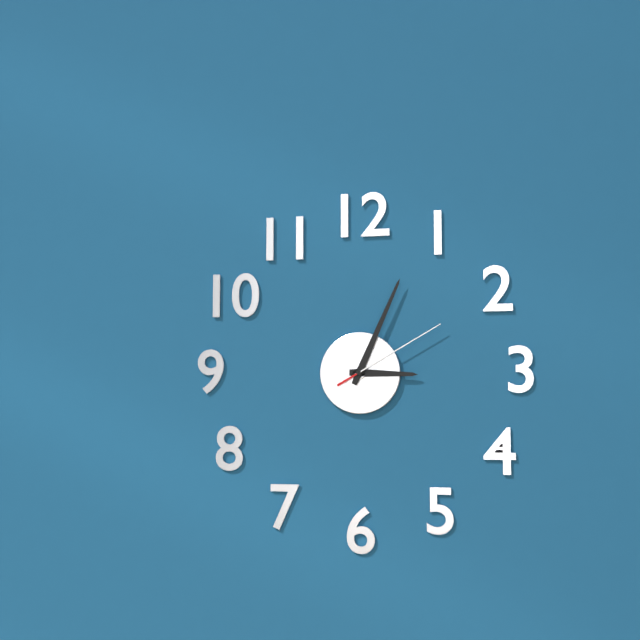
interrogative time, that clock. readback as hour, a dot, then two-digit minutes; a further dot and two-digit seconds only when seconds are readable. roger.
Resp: 3.04.10
